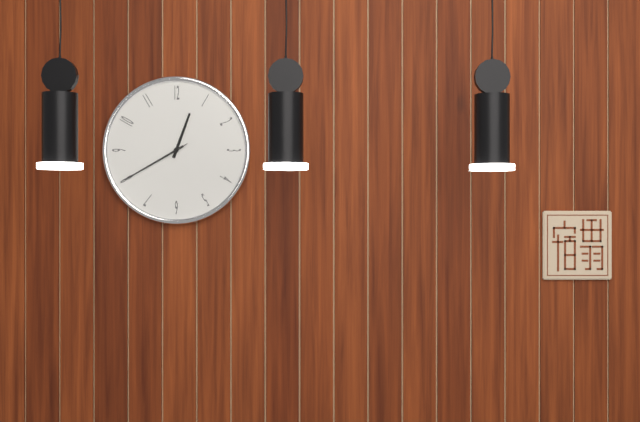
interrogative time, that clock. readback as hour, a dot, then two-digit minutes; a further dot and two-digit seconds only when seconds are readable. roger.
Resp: 12.40.40
